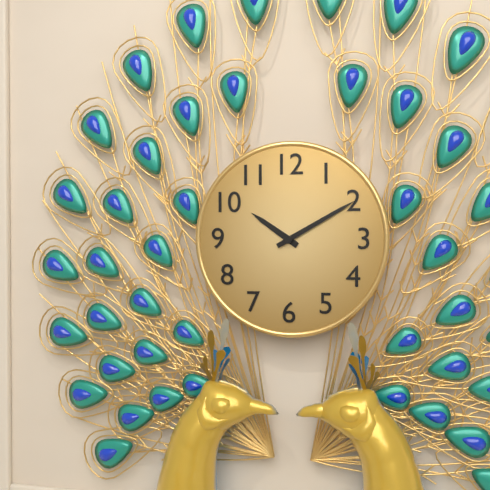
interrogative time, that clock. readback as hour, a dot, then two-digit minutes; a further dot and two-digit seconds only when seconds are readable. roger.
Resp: 10.10
